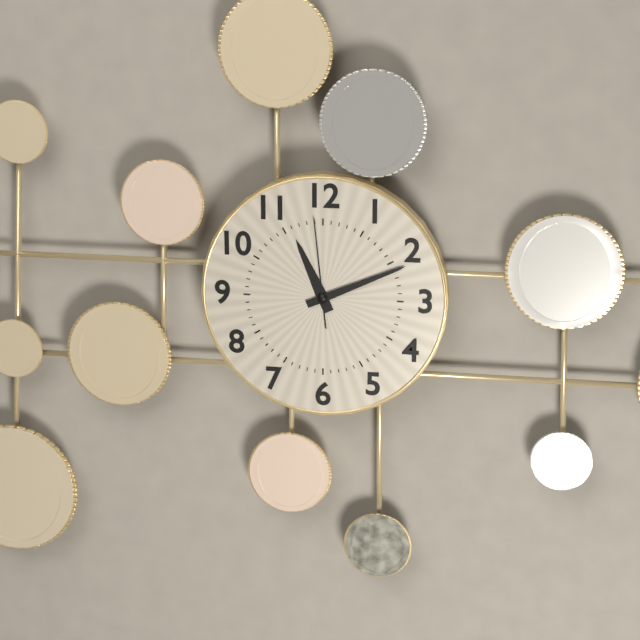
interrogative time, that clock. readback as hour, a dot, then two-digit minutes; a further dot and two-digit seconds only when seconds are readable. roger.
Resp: 11.11.59
